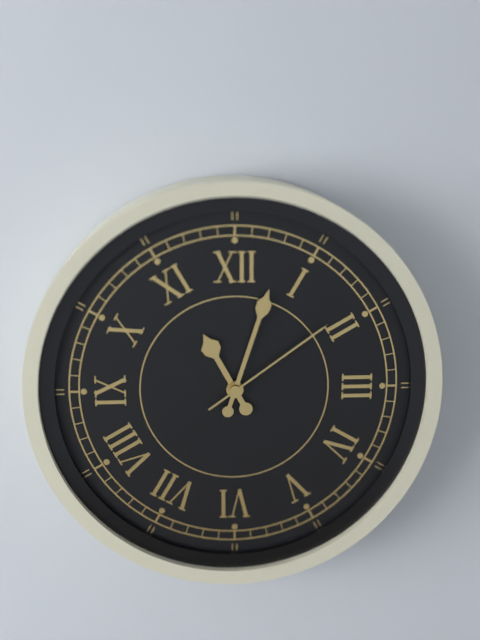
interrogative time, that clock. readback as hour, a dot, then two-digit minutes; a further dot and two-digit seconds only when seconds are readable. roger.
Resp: 11.03.09
